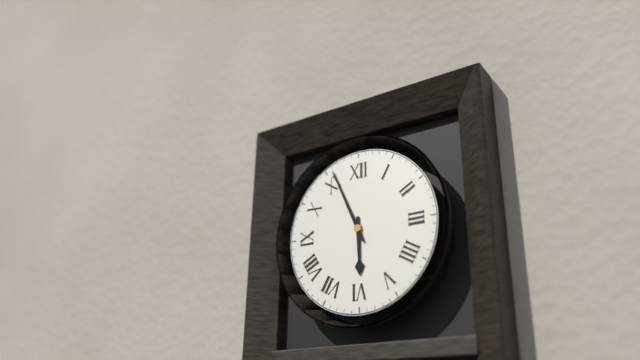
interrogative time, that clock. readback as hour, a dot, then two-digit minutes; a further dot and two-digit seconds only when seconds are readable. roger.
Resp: 5.56
